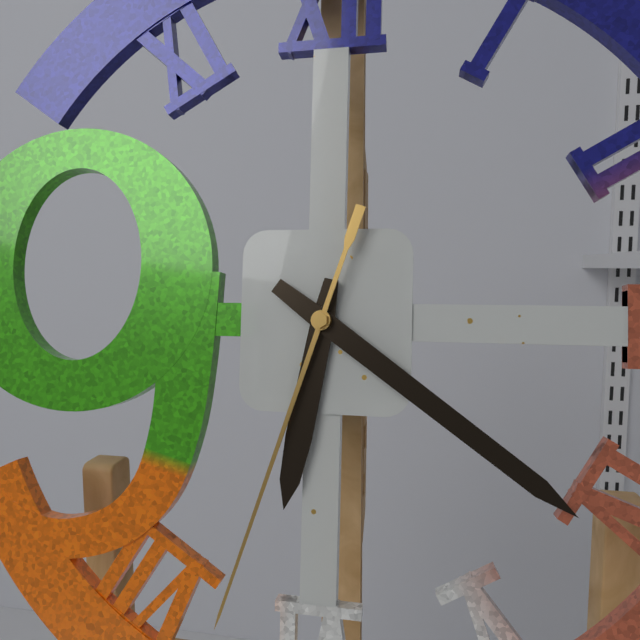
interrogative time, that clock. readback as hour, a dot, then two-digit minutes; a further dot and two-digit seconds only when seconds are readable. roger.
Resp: 6.21.33
